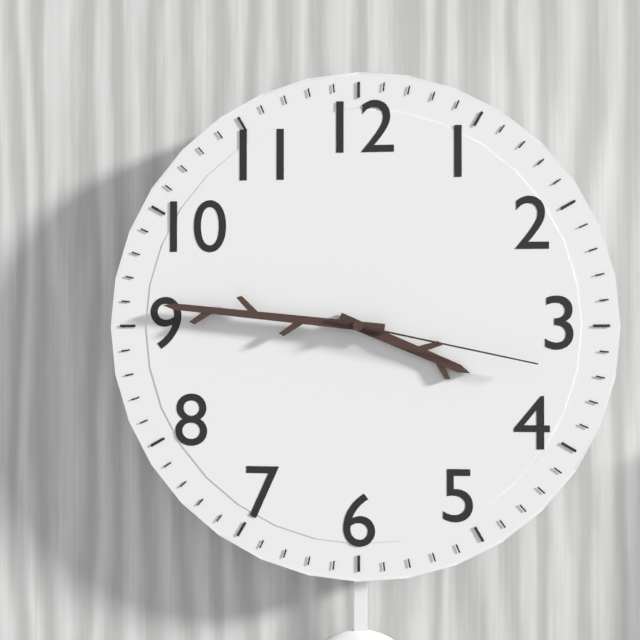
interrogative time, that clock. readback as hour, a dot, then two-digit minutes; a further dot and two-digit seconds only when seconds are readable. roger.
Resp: 3.46.17
